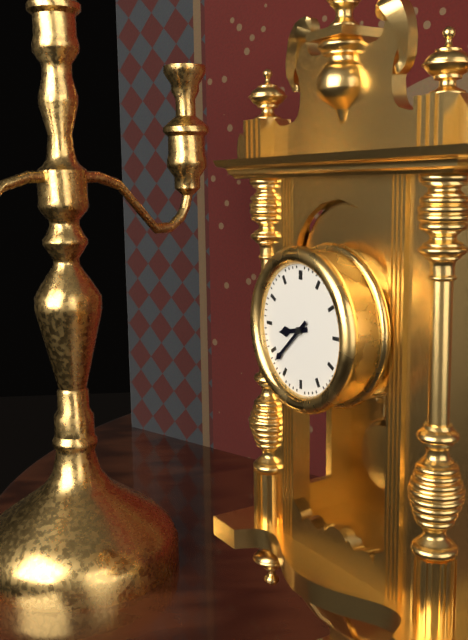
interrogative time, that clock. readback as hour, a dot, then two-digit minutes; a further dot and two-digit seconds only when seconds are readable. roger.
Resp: 8.38
